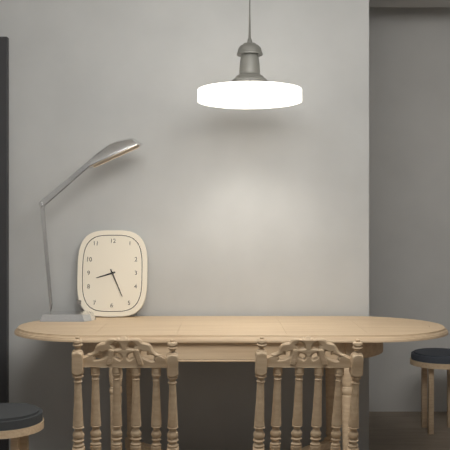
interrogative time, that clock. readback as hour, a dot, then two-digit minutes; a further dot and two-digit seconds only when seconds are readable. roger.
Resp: 8.26
